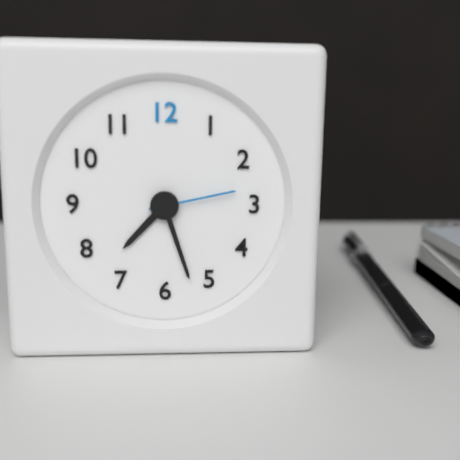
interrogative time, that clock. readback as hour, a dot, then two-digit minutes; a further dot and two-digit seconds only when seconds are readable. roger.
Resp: 7.27.13
